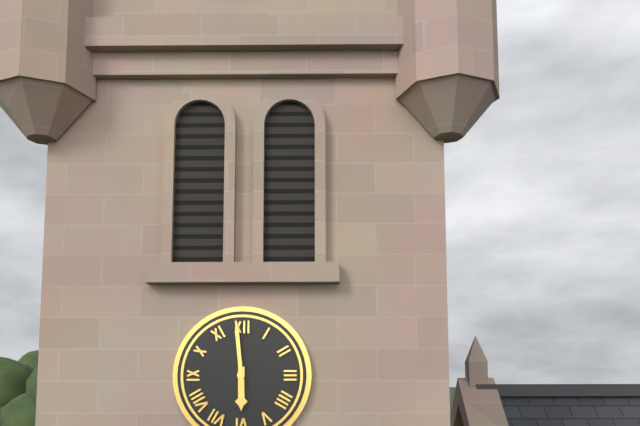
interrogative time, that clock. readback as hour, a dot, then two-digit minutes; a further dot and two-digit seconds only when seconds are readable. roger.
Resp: 5.59
